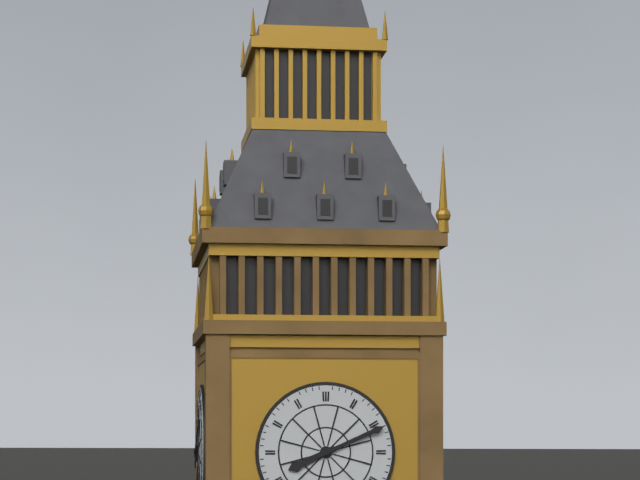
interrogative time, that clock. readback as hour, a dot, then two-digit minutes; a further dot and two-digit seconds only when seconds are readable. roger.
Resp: 8.11
